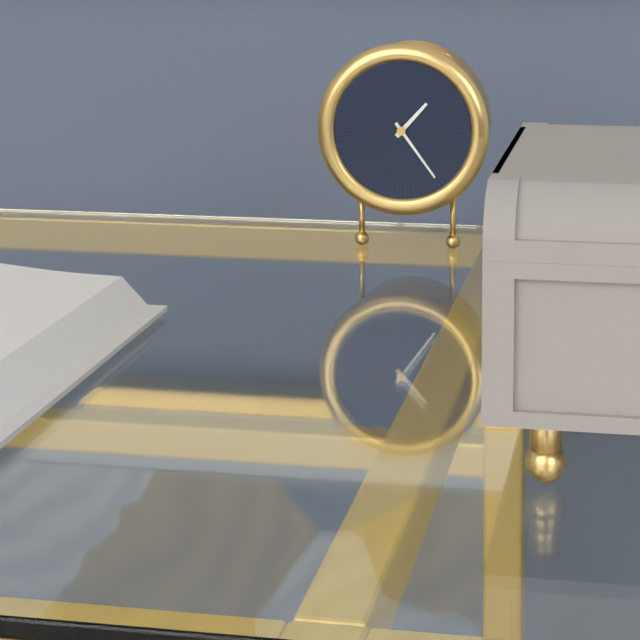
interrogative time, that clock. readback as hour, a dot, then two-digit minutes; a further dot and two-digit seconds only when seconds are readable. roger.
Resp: 1.24
